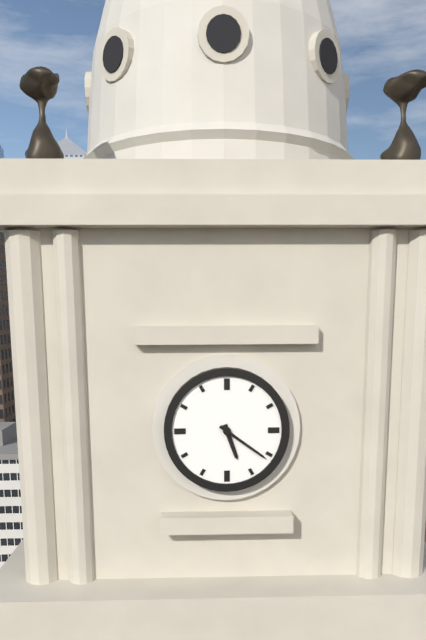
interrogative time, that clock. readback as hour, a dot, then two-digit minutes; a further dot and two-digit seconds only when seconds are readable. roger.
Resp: 5.21
